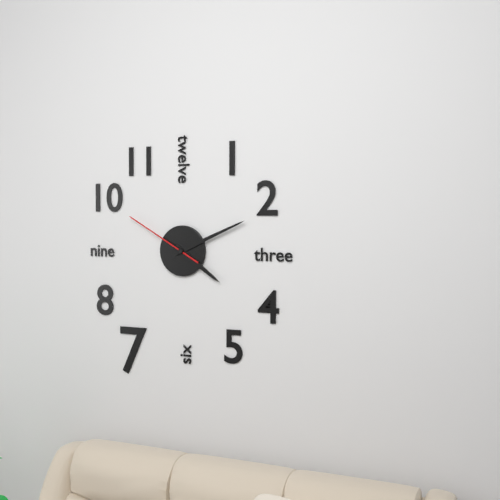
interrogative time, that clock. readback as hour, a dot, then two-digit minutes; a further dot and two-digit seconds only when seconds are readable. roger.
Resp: 4.11.50
